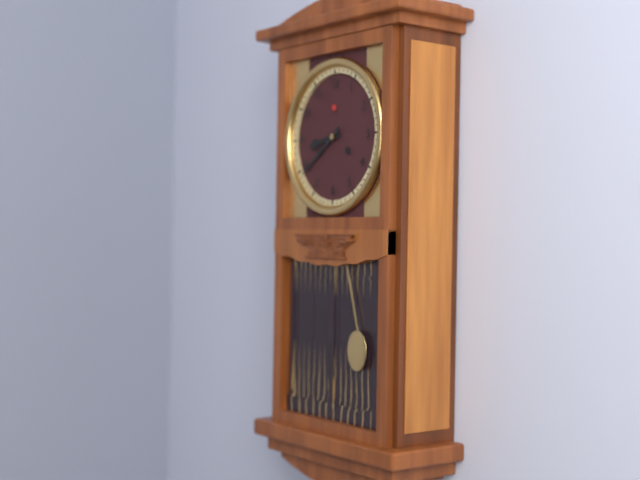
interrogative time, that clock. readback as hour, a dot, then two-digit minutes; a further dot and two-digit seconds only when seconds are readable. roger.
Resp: 8.39
